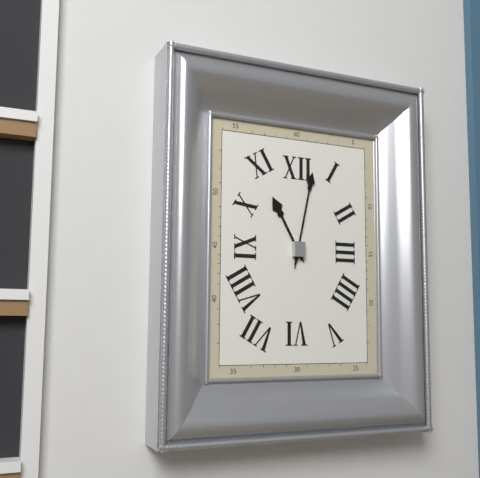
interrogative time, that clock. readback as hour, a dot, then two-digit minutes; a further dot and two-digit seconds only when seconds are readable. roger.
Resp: 11.02
